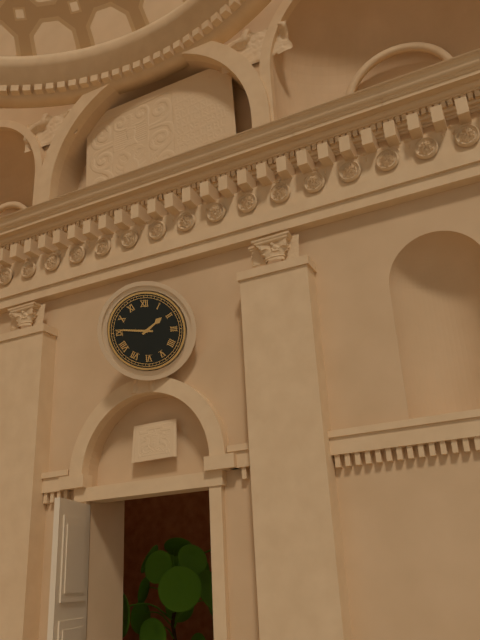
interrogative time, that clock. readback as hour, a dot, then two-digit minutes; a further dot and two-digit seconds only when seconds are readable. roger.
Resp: 1.46
